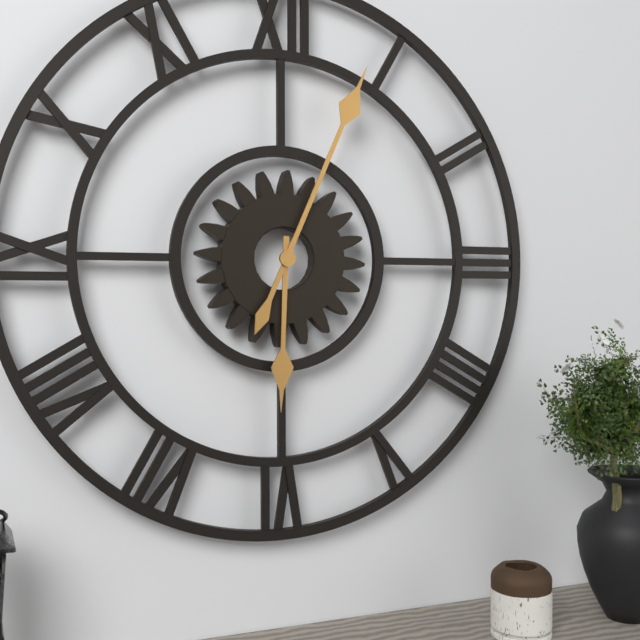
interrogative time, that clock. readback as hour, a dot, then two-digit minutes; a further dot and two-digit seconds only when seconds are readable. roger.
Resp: 6.04
